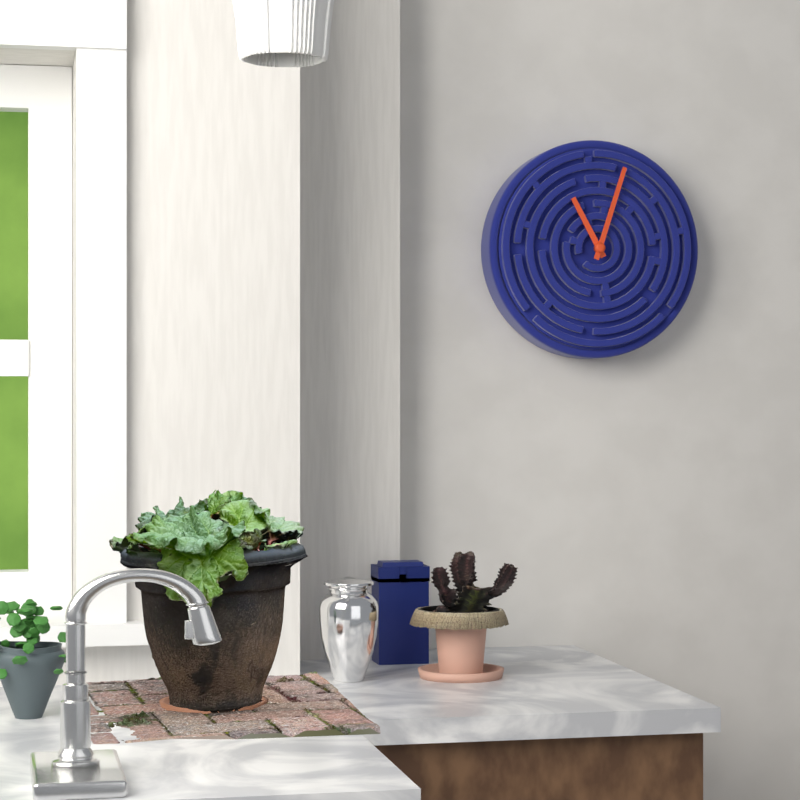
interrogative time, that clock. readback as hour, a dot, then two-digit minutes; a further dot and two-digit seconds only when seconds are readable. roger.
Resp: 11.03
